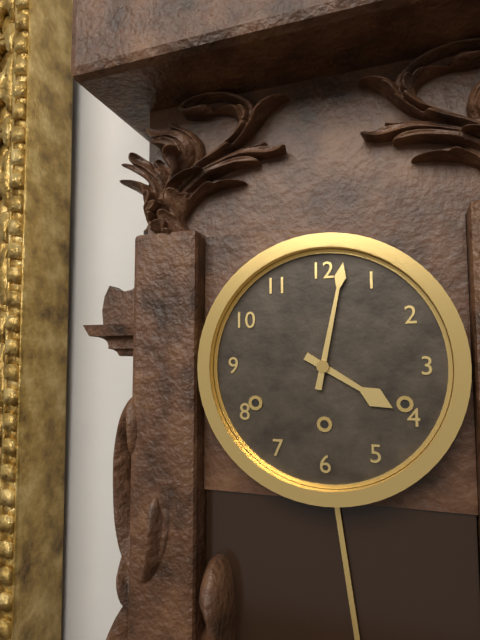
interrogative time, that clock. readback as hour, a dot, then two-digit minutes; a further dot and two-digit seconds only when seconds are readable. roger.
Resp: 4.02
